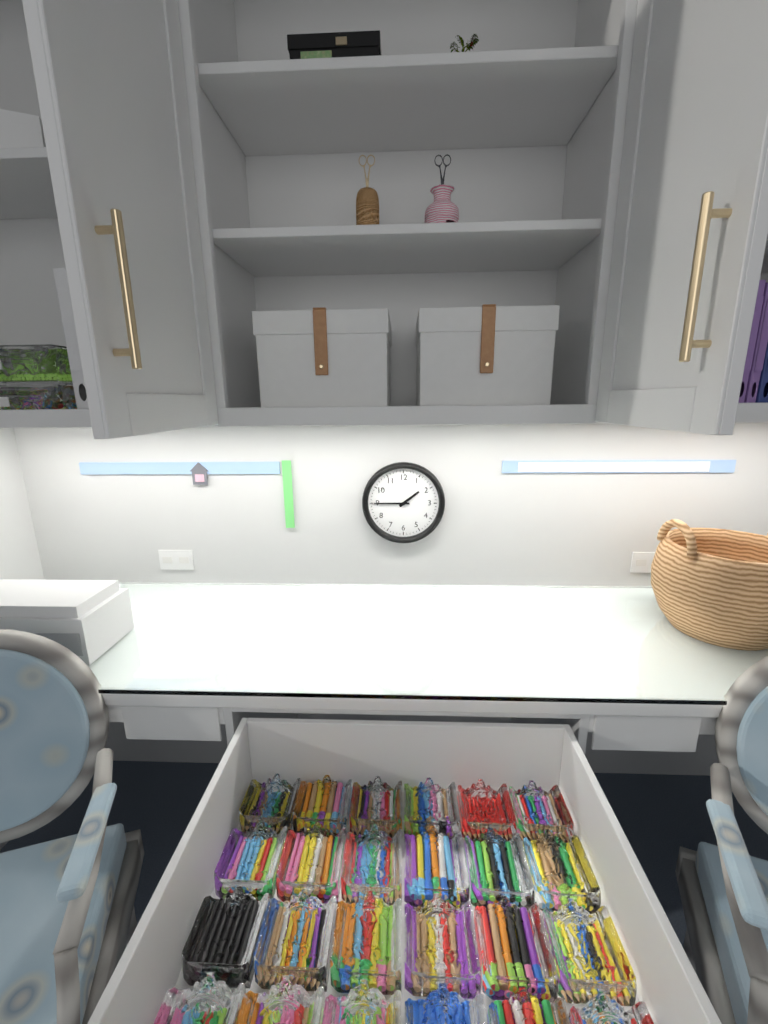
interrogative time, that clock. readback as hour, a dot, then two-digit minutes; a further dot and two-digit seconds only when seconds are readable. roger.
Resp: 1.45
